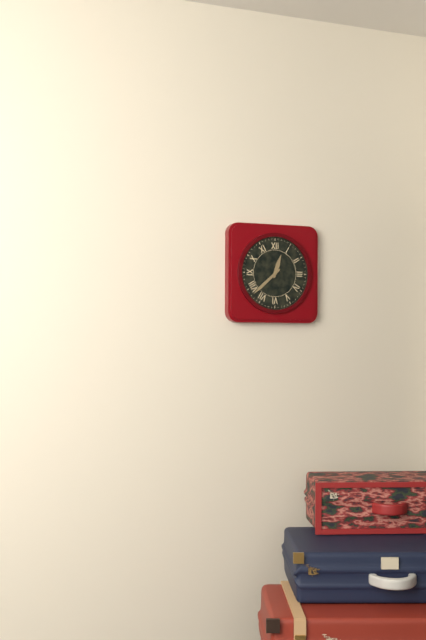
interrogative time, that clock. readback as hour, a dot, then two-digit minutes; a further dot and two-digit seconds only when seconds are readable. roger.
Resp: 12.38
